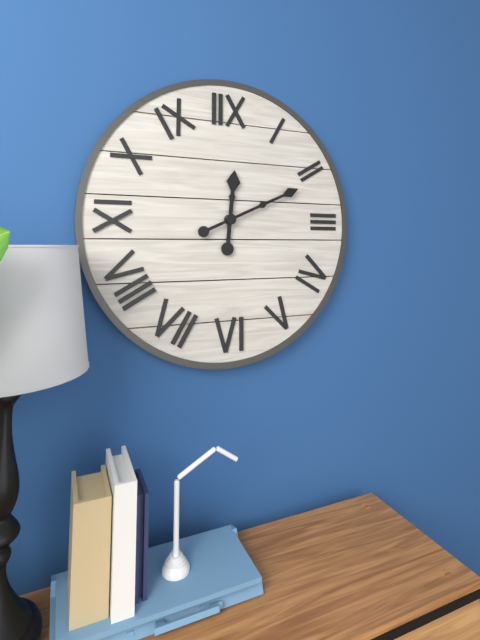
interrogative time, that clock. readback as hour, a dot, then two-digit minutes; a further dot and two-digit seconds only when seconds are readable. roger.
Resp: 12.11
